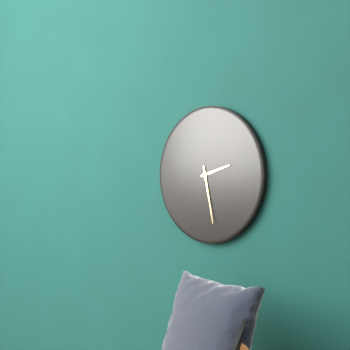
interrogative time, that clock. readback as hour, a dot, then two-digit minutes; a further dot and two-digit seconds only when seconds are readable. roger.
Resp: 2.28
